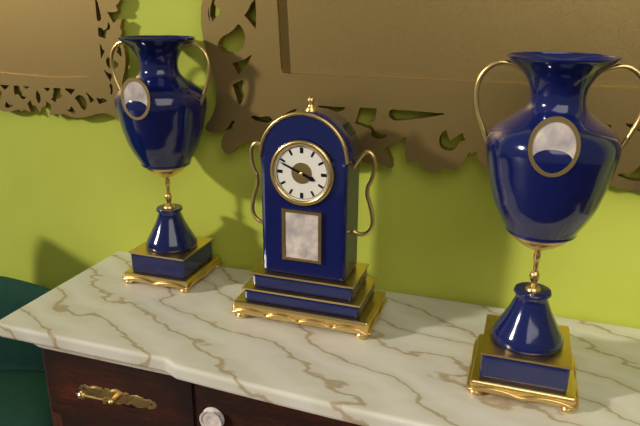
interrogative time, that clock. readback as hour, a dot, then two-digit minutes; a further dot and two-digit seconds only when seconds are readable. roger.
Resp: 3.49
